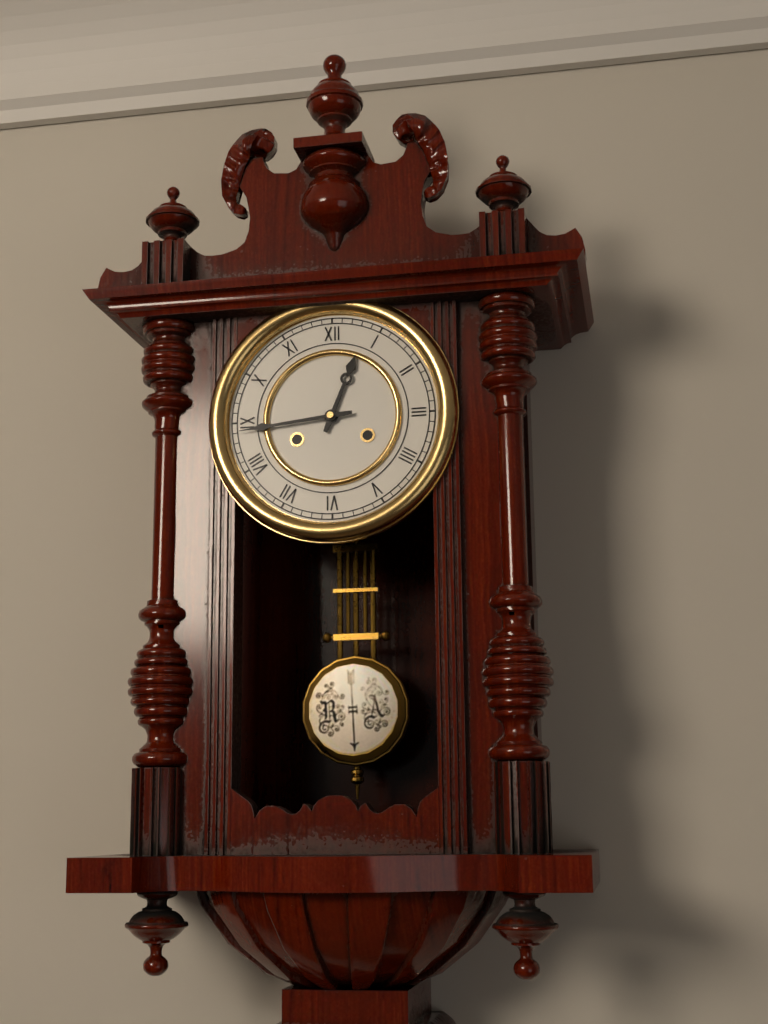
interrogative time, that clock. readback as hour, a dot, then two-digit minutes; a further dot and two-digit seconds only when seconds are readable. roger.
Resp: 12.44
